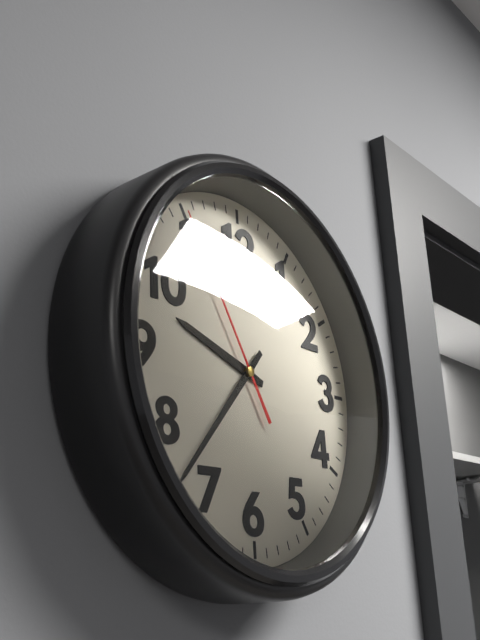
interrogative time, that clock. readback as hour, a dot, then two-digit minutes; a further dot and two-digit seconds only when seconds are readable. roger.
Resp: 9.37.55
